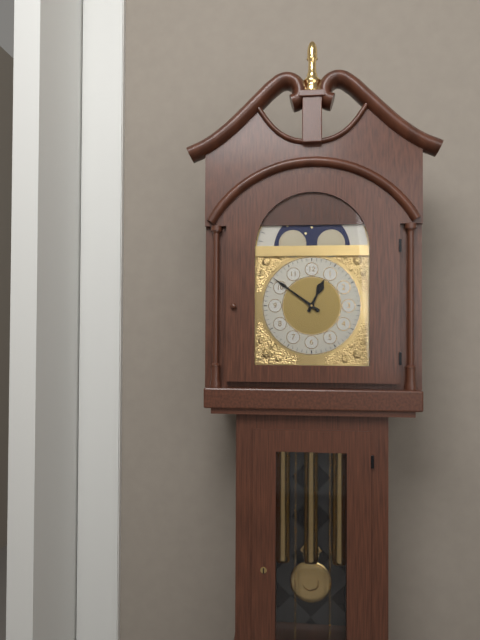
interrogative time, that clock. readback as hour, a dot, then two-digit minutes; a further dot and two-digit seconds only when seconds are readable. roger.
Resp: 12.51
